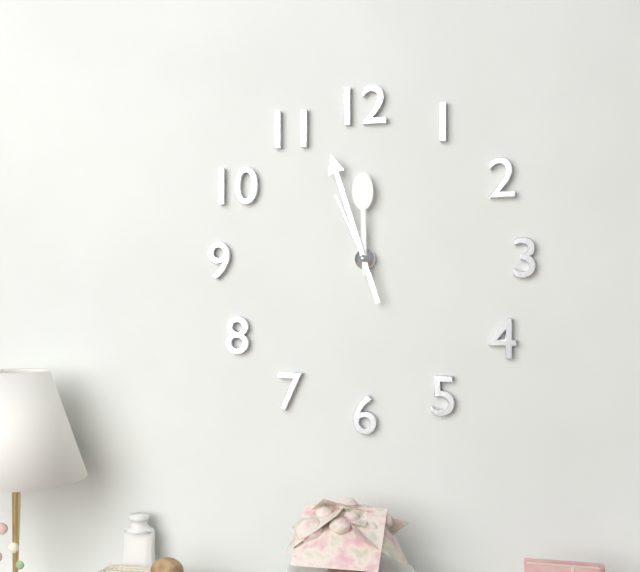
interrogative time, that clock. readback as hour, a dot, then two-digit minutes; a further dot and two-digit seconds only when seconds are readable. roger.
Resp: 11.57.56
